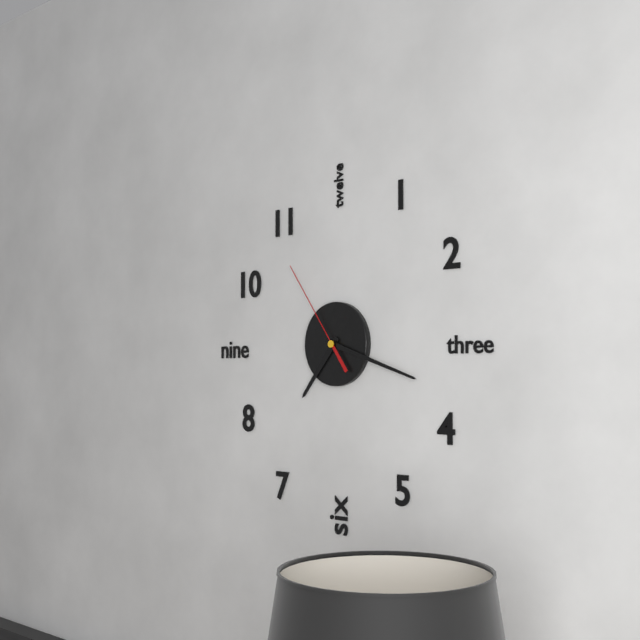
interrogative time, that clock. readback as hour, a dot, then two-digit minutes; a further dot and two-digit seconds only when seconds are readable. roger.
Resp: 7.18.54
